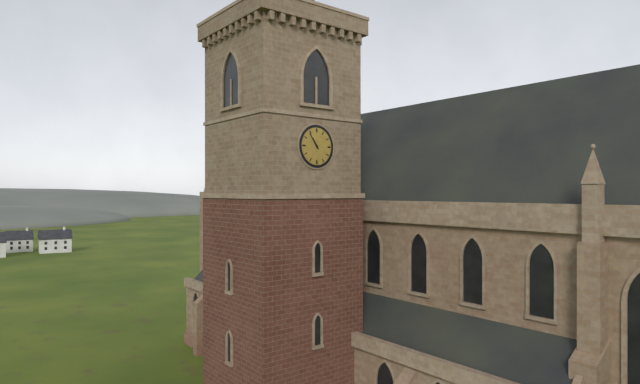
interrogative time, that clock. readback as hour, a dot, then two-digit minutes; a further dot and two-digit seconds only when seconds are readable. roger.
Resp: 10.54
